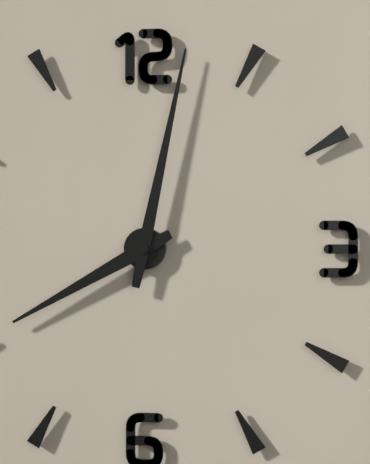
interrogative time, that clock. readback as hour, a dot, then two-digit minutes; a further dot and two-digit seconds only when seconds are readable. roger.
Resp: 8.02
